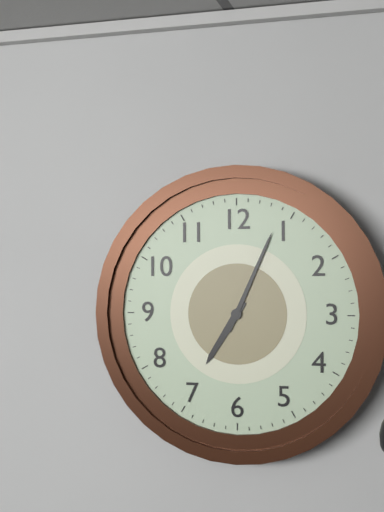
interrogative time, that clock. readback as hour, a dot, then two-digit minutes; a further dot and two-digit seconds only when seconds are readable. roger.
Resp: 7.04
